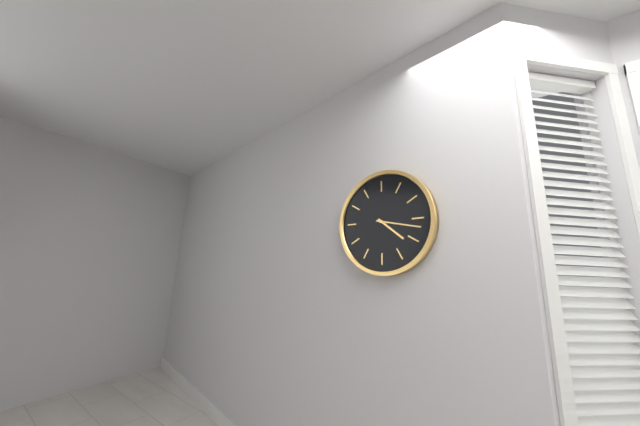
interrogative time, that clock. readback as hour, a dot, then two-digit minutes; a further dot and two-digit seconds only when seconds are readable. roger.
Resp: 4.17
